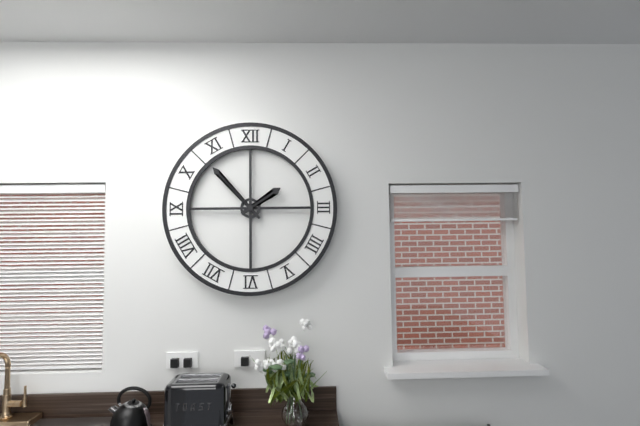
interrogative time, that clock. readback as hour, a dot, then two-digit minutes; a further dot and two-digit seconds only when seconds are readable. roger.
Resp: 1.53
